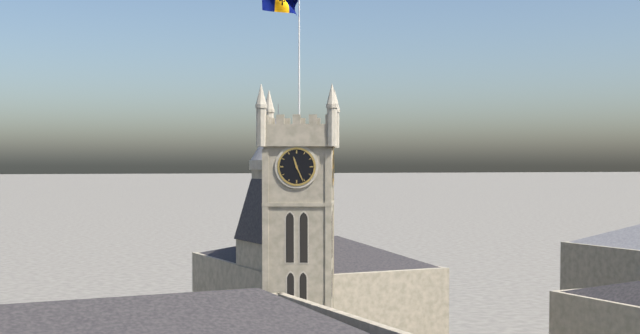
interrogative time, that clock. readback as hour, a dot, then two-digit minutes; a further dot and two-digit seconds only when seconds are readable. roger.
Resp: 11.26
